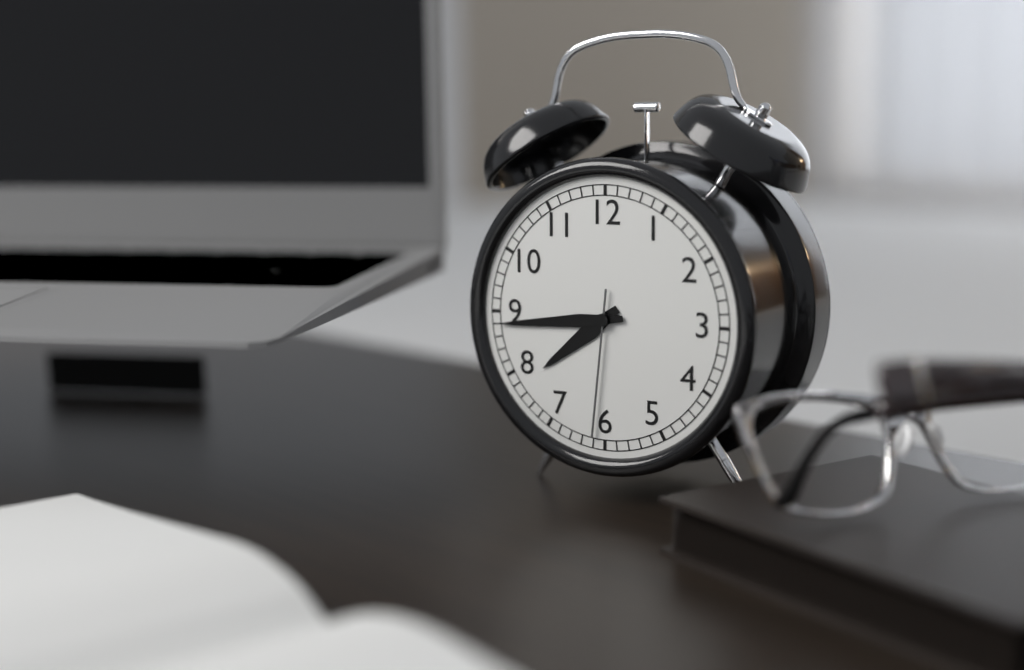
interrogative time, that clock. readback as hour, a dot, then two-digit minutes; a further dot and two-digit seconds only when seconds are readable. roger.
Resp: 7.44.31
